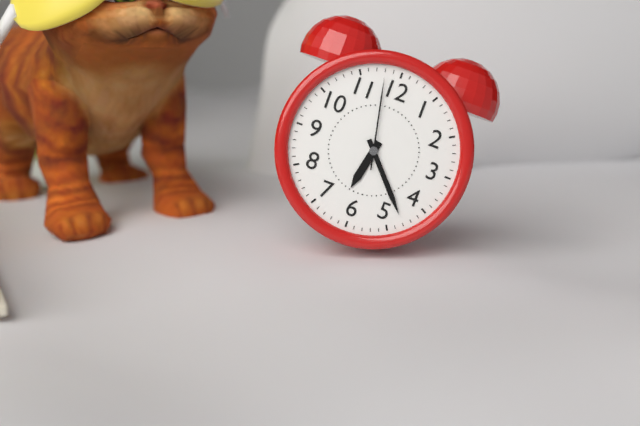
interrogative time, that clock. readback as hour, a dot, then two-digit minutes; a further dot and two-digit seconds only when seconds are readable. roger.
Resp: 6.23.58
